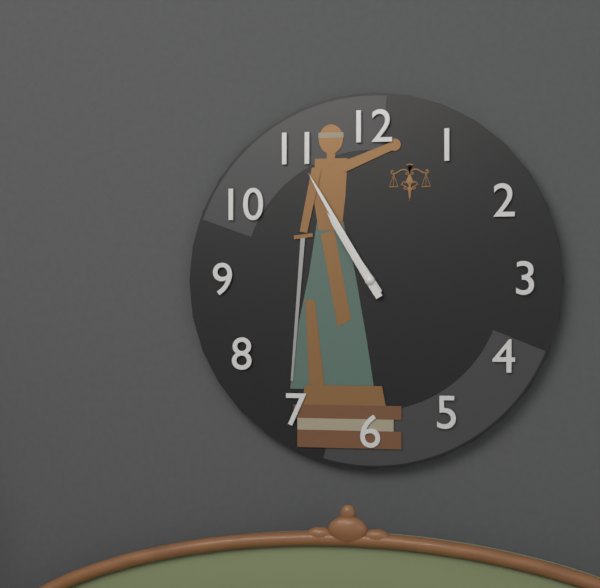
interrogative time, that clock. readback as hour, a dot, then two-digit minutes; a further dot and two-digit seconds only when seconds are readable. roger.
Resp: 10.55
